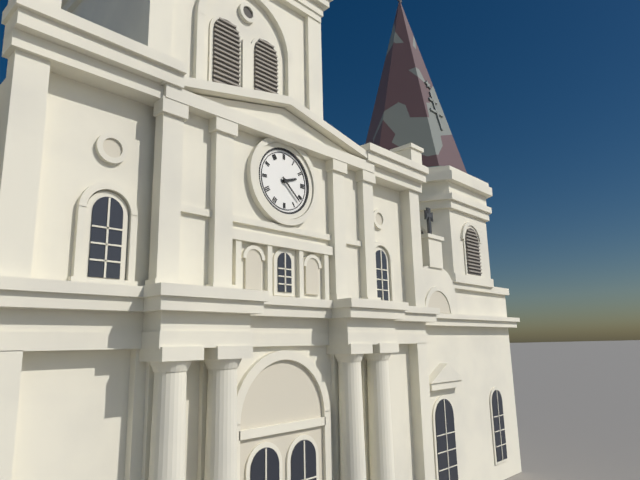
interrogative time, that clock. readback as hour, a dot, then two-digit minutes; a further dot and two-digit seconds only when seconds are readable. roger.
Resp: 2.22
